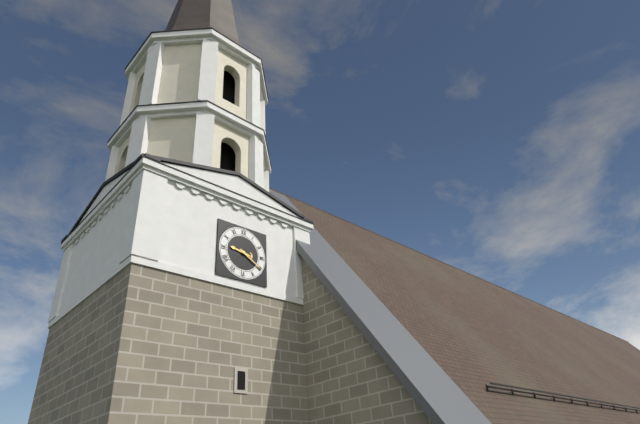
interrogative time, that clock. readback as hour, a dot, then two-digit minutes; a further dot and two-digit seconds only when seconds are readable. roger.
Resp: 9.20
